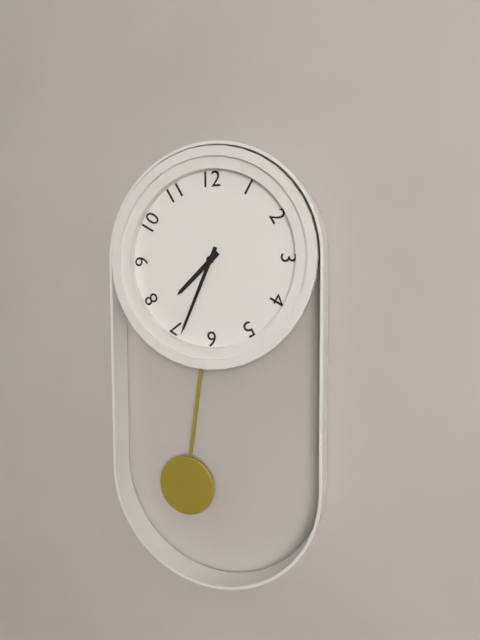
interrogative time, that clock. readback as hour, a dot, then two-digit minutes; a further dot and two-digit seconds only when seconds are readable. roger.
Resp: 7.34
